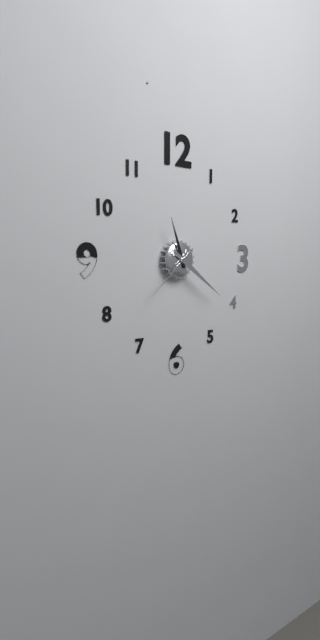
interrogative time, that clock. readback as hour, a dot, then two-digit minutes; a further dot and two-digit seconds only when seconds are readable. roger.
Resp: 11.21.38
